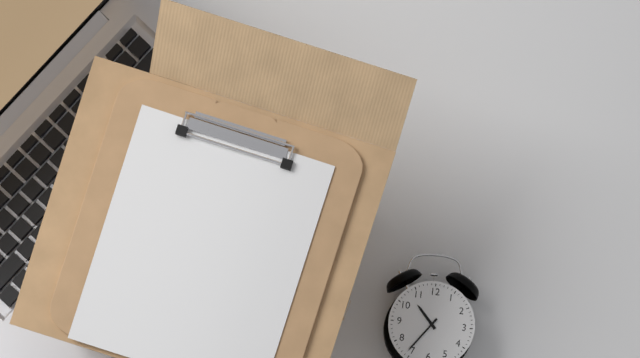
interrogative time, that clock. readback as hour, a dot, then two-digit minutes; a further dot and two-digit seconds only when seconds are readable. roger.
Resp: 10.36
